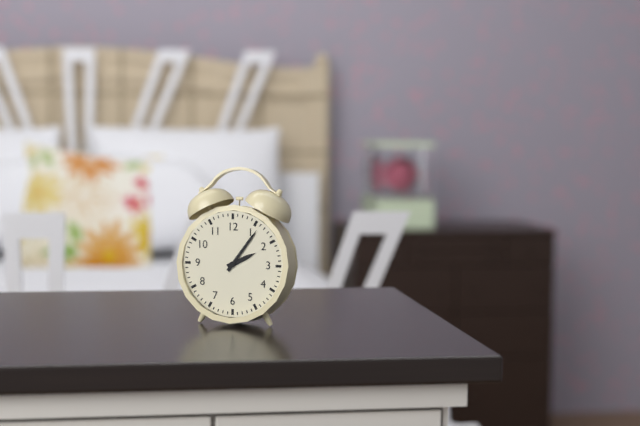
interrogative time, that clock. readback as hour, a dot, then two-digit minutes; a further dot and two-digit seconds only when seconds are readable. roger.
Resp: 2.06
